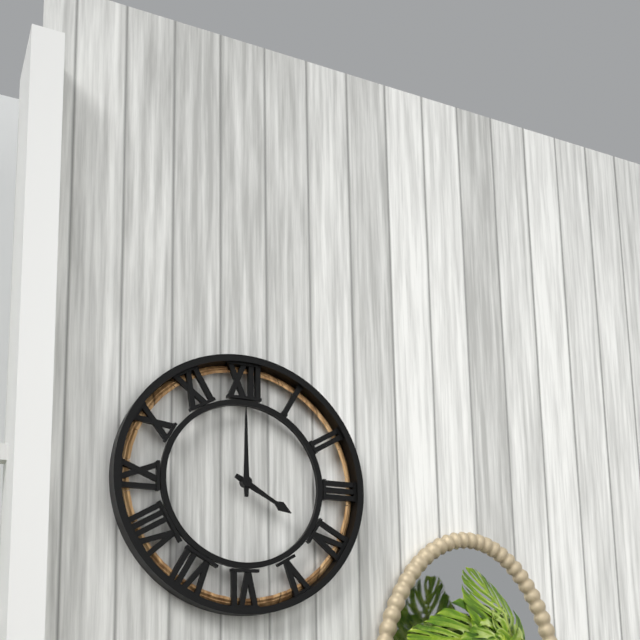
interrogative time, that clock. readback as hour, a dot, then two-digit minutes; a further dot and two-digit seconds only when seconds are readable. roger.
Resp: 4.00
